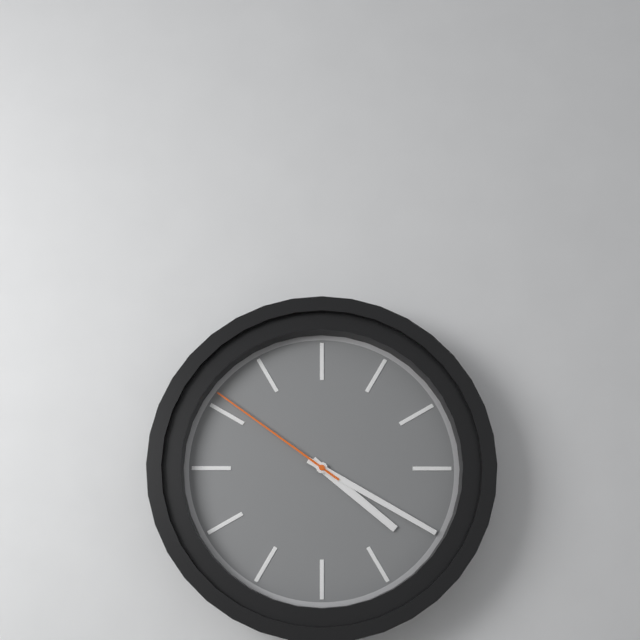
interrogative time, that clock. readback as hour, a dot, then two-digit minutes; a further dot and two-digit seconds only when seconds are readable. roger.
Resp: 4.20.51
